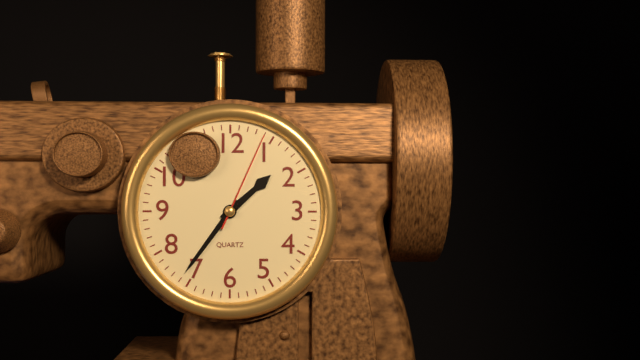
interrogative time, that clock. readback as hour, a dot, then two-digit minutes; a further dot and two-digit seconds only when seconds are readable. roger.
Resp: 1.36.04
